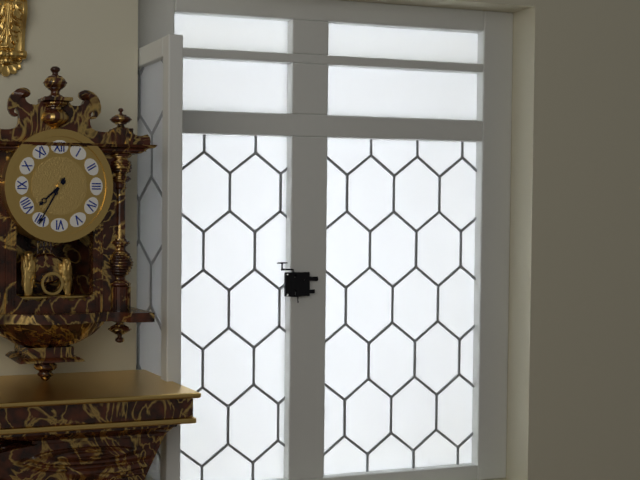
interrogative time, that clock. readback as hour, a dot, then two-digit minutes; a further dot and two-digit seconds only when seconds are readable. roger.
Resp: 7.35
